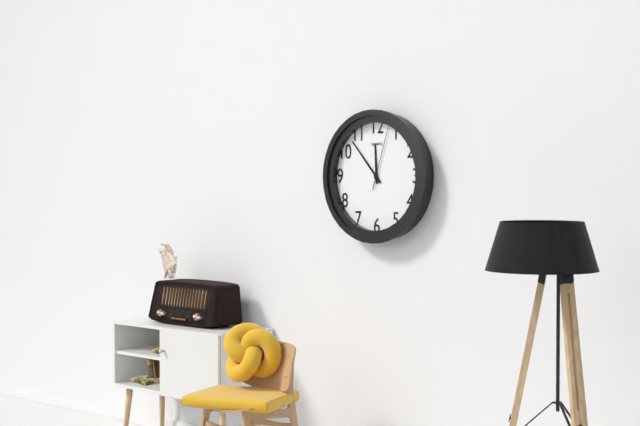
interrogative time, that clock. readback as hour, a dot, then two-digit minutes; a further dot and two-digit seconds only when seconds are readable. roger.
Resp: 11.53.03
